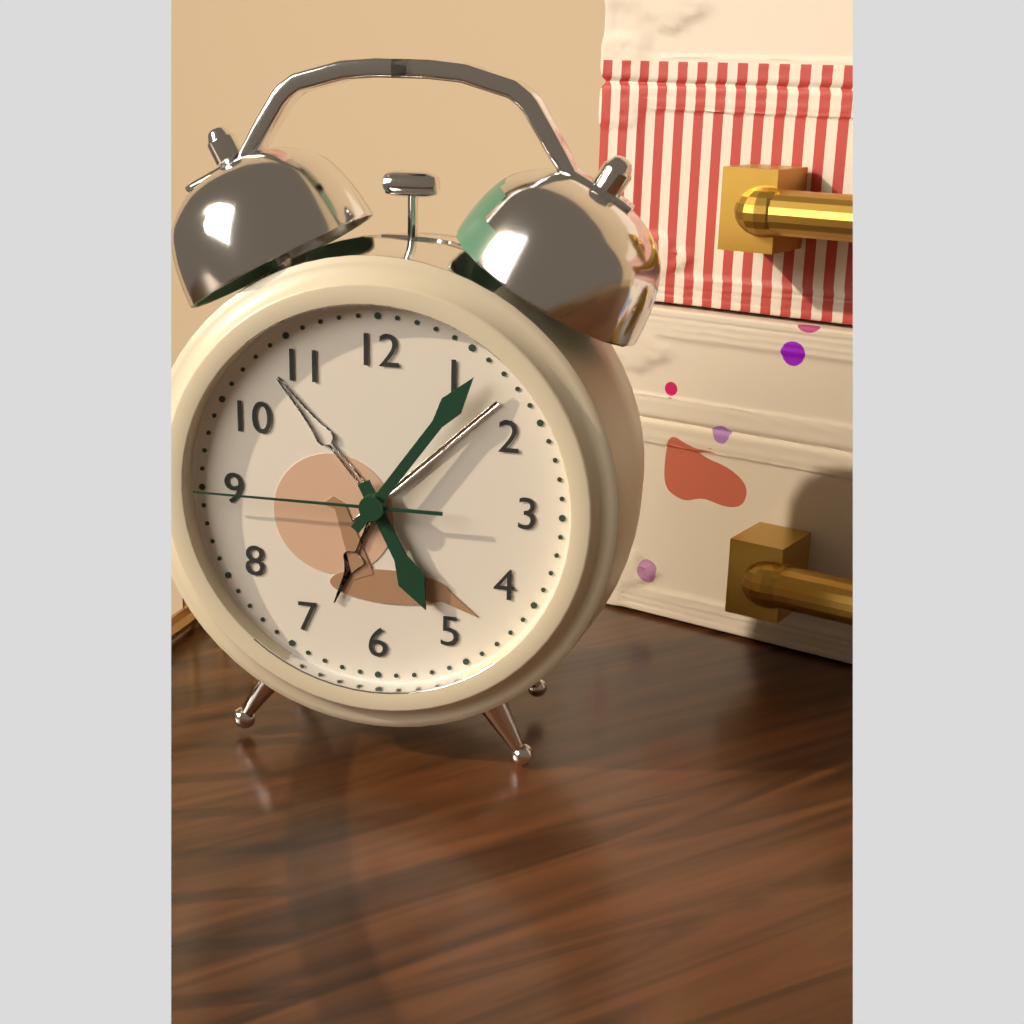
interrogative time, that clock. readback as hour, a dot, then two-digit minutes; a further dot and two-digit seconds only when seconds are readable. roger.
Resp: 5.06.45
